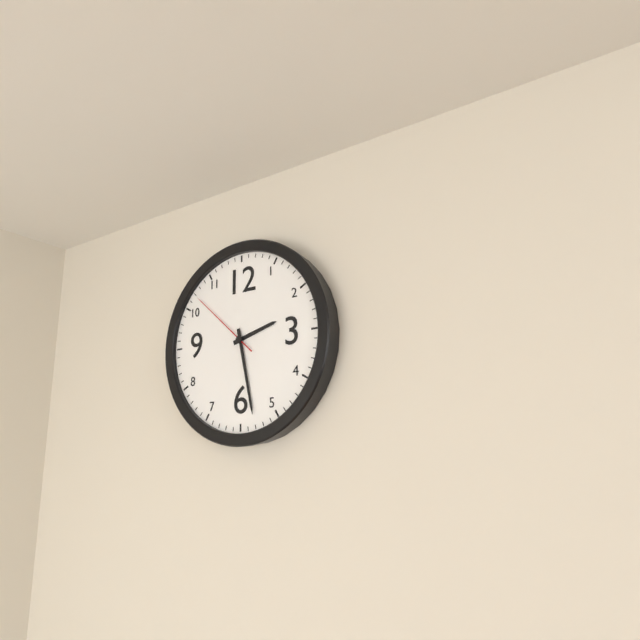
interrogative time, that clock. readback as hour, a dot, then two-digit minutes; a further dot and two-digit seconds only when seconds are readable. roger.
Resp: 2.28.52
